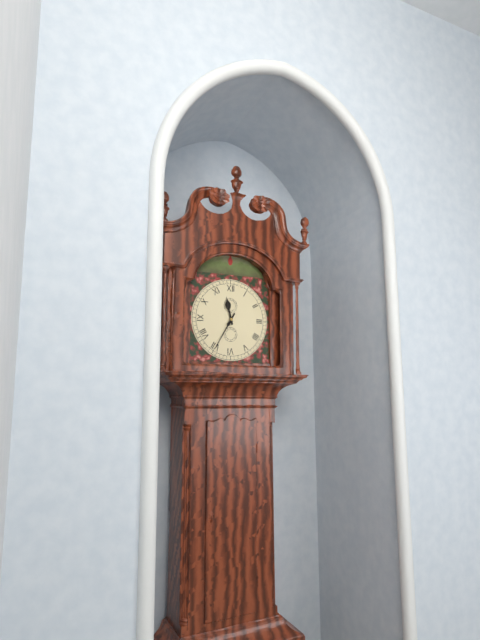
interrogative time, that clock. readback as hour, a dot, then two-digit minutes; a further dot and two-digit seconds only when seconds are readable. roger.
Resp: 11.35
